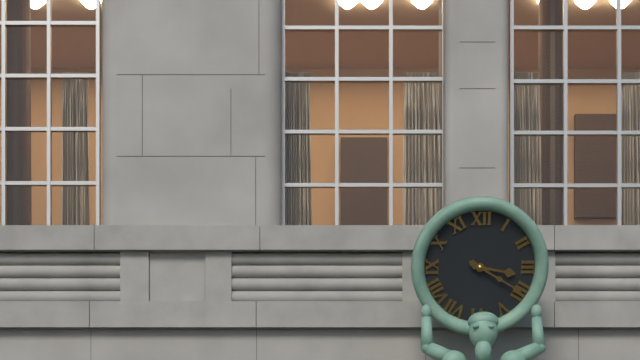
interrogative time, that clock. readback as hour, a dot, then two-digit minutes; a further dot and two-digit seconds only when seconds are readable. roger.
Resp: 3.20
